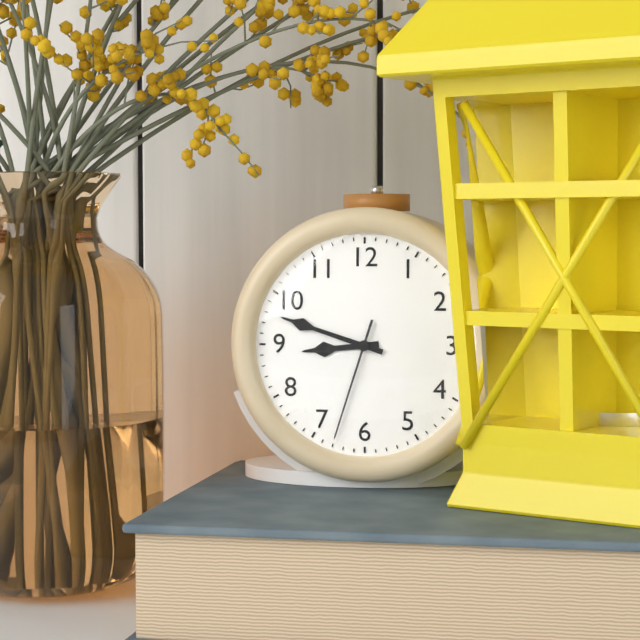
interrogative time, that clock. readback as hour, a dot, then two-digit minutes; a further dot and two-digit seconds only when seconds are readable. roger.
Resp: 8.48.33
